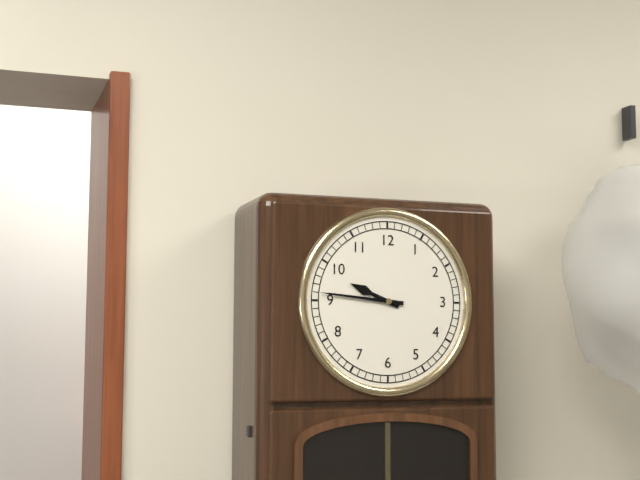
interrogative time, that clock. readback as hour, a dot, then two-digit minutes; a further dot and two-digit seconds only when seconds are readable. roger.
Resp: 9.46
